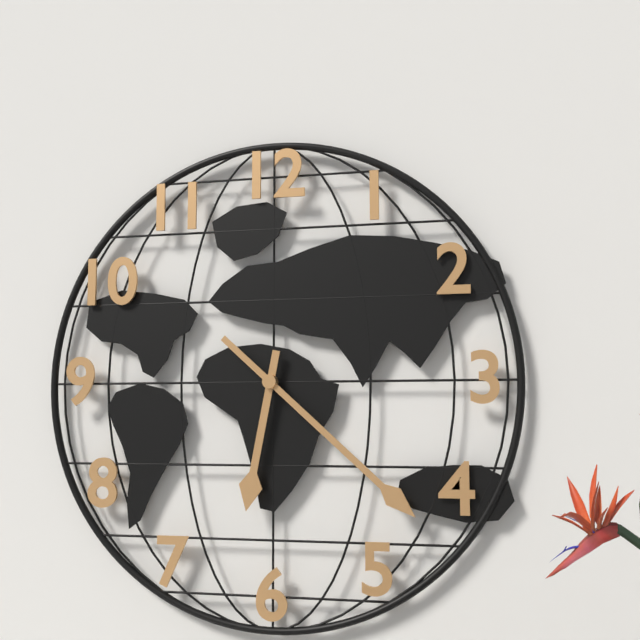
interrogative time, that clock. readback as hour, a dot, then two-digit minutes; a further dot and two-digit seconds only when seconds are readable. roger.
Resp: 6.22
